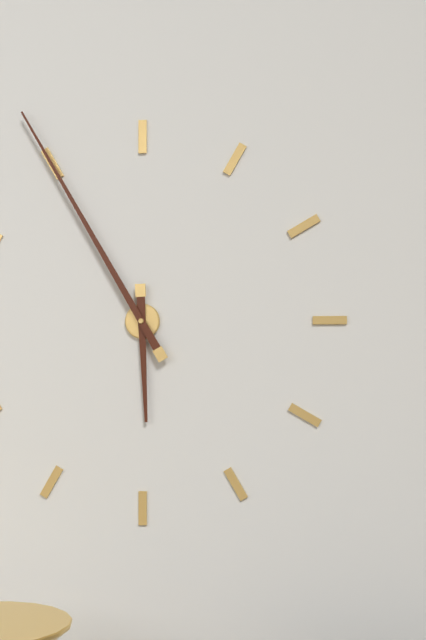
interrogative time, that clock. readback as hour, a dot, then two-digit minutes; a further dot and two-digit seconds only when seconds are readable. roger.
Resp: 5.55
